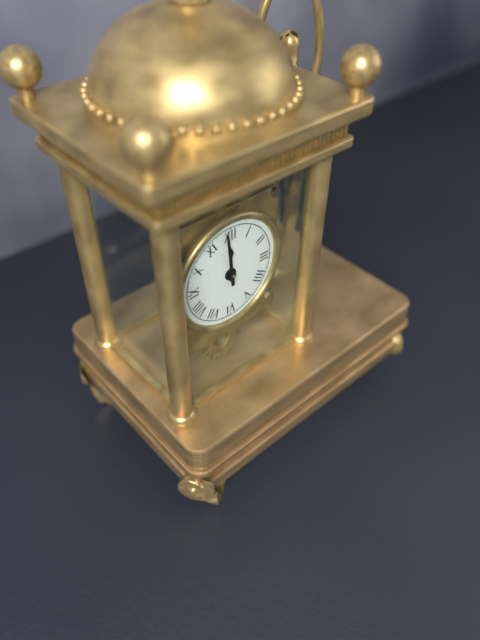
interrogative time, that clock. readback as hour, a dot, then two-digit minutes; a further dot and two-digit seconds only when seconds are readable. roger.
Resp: 11.59
